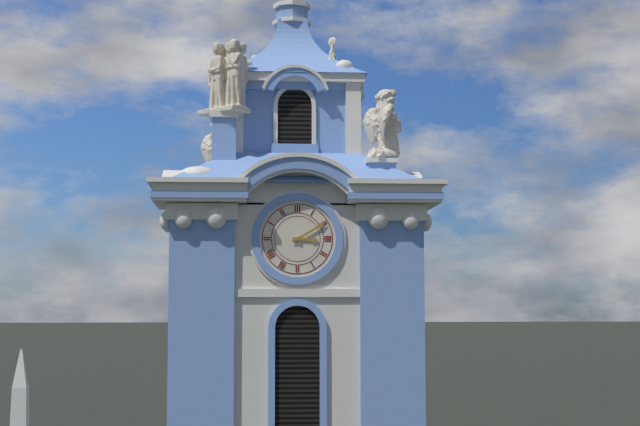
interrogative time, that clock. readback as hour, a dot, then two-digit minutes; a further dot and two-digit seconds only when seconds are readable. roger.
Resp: 3.10
